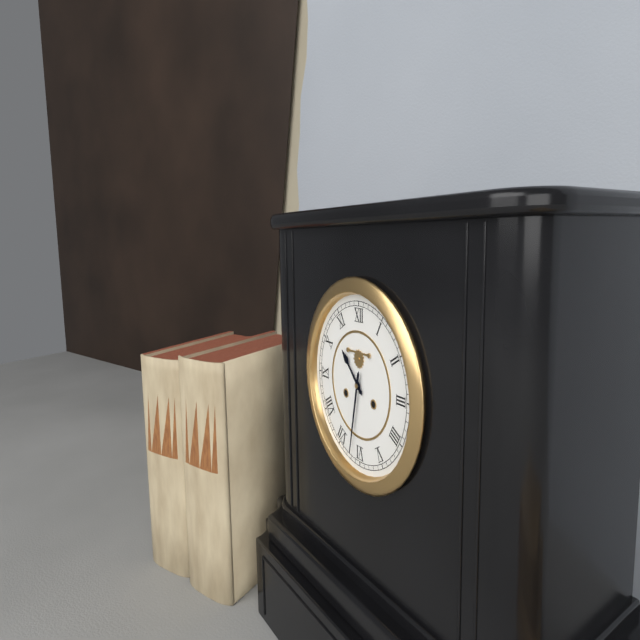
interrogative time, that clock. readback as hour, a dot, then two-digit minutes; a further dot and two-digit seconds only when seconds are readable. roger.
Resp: 10.32
